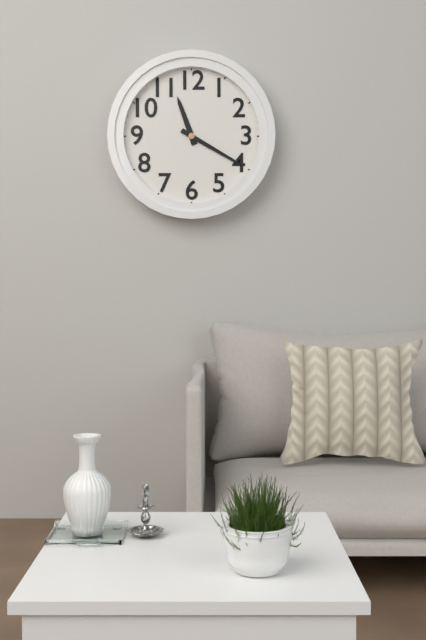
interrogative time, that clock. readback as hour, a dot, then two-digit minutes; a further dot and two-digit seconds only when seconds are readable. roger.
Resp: 11.20
